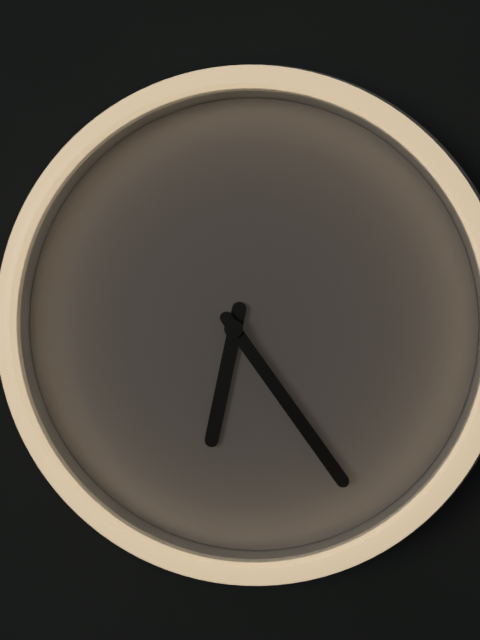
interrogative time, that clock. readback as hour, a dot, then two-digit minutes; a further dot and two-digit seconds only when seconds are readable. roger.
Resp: 6.24
